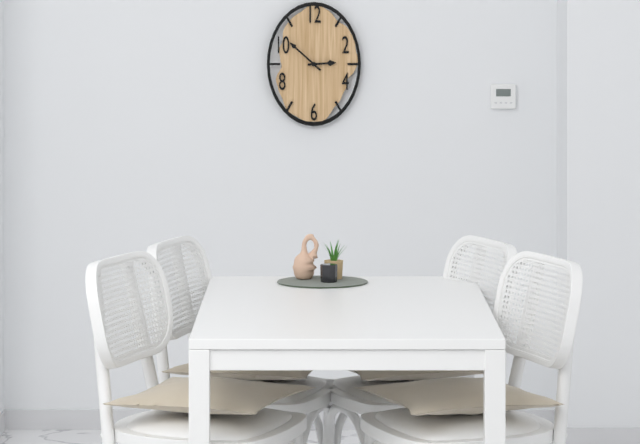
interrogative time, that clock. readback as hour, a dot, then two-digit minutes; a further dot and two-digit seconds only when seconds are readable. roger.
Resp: 2.52
